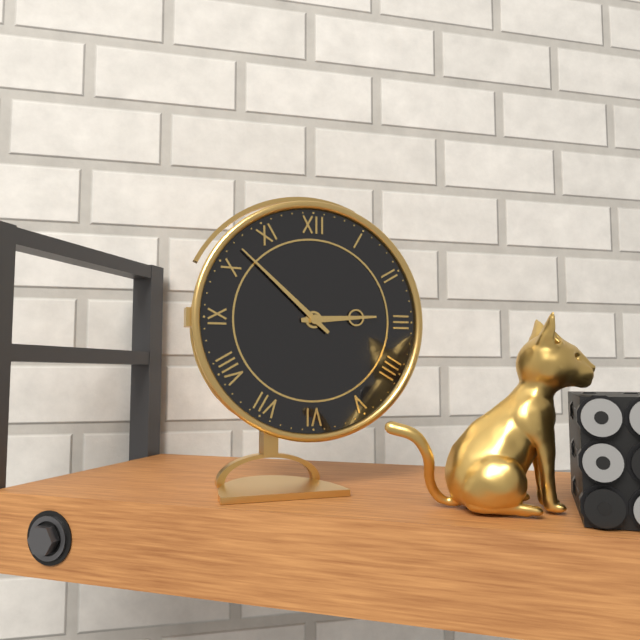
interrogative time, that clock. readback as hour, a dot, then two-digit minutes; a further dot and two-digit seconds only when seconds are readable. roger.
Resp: 2.52
